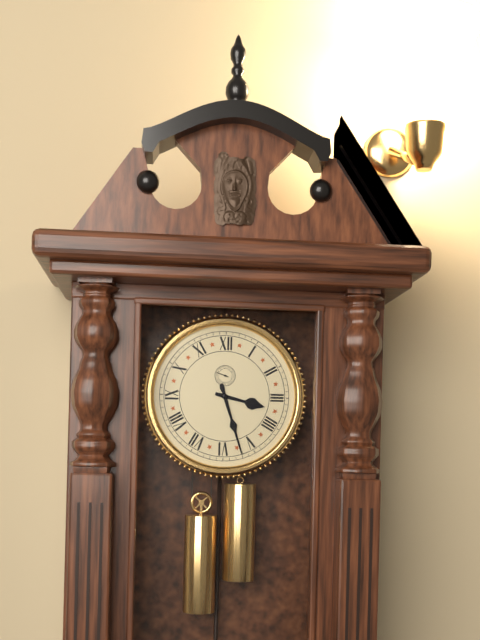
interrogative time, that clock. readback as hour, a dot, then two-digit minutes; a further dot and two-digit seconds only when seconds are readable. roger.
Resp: 3.27
